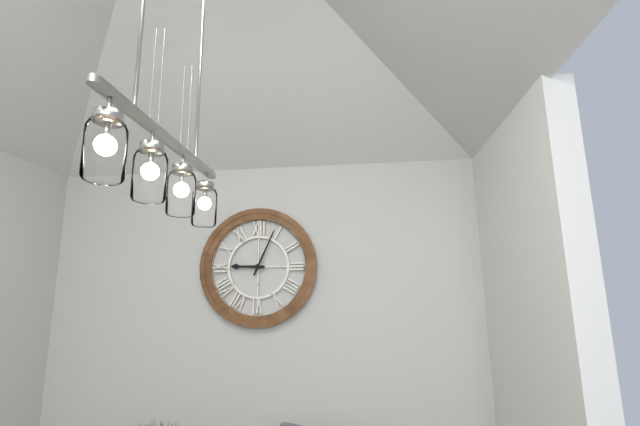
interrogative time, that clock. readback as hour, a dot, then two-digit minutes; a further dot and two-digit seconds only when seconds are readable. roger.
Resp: 9.04
